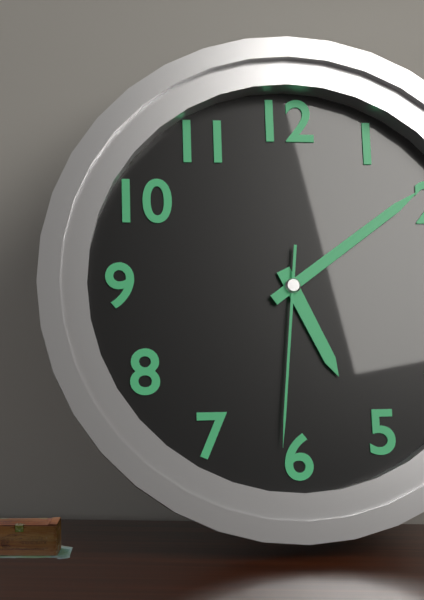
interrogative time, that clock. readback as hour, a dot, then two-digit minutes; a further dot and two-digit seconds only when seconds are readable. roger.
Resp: 5.09.31
